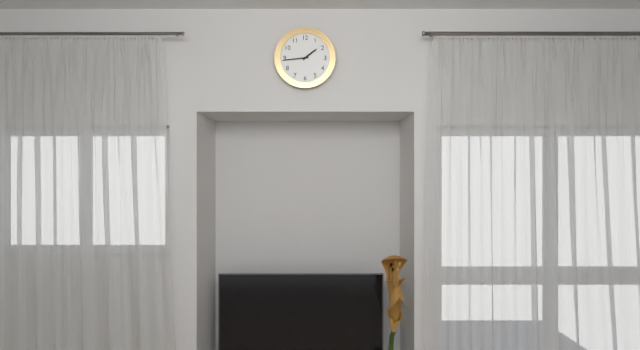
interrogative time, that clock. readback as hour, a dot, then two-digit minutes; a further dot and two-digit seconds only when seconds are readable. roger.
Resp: 1.44
